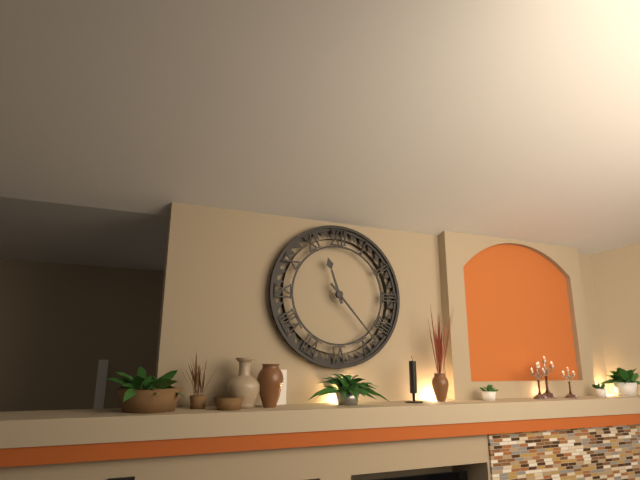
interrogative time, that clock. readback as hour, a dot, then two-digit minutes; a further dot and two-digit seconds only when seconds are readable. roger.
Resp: 11.23
